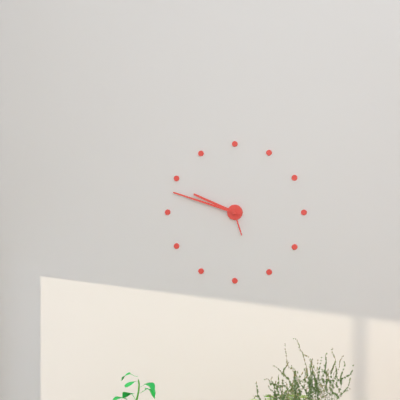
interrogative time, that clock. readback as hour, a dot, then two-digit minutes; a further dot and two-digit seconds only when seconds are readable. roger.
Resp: 9.48
